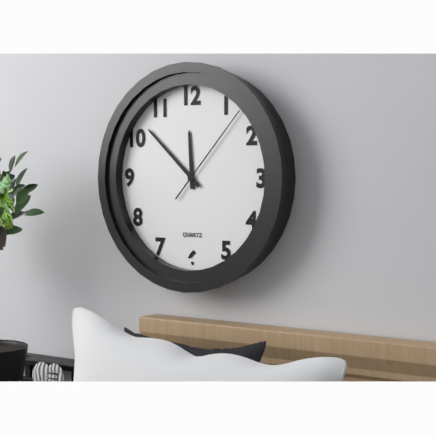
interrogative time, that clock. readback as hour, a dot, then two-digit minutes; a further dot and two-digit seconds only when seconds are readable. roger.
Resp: 11.52.07
